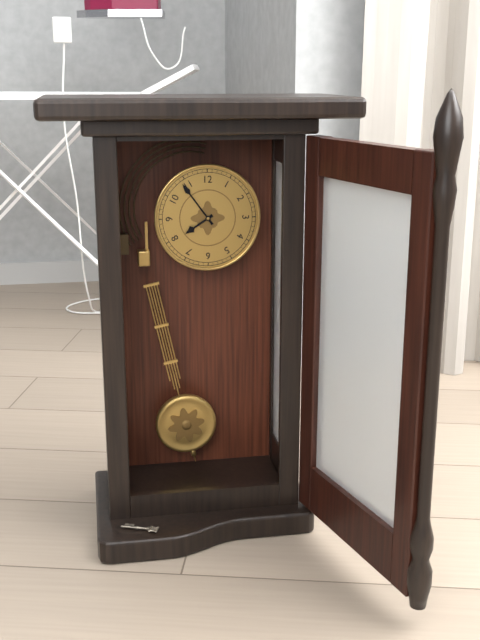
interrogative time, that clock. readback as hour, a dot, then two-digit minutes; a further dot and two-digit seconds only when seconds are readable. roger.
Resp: 7.54
